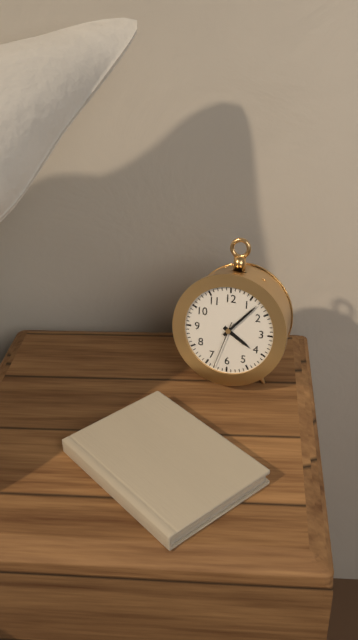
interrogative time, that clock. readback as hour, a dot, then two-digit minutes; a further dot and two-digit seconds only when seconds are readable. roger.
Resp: 4.07
